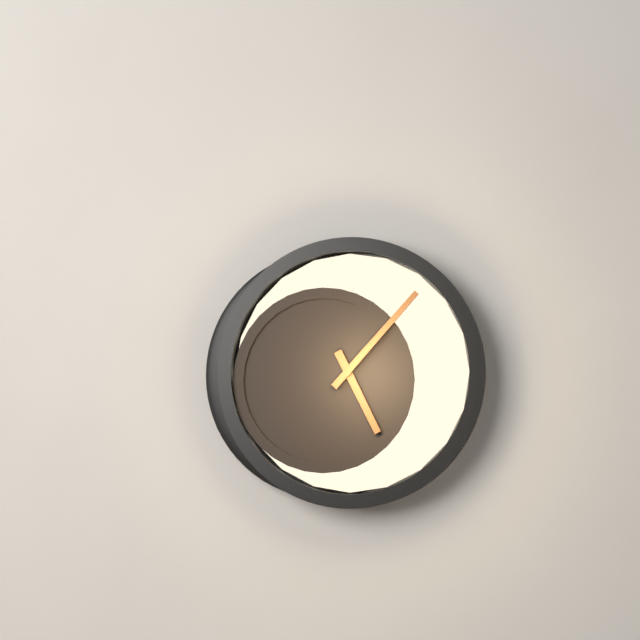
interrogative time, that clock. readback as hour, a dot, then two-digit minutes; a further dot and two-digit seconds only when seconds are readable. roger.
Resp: 5.07
